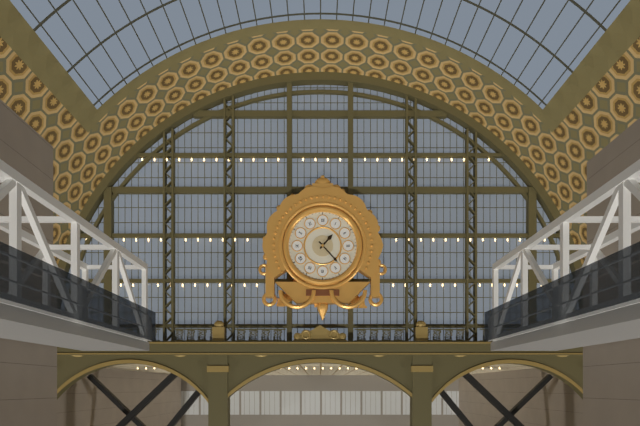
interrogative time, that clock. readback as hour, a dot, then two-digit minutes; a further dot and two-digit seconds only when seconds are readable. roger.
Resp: 1.23
